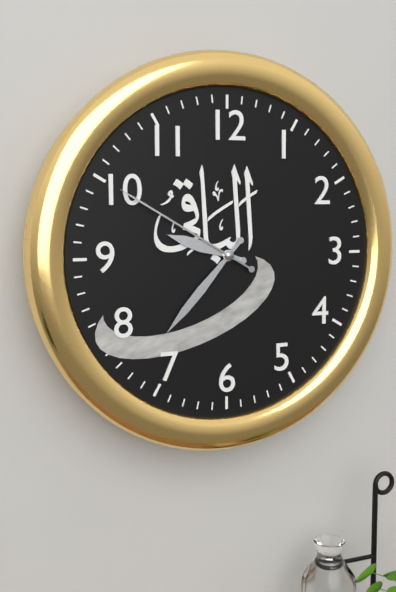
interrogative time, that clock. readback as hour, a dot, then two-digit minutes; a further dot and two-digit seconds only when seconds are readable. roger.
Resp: 9.37.50
